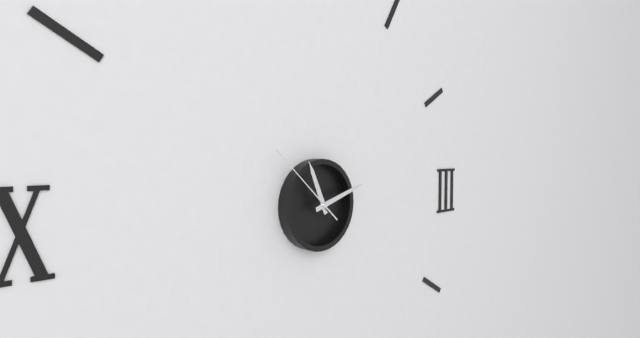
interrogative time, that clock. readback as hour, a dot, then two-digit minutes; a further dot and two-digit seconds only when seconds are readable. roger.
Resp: 11.12.52
